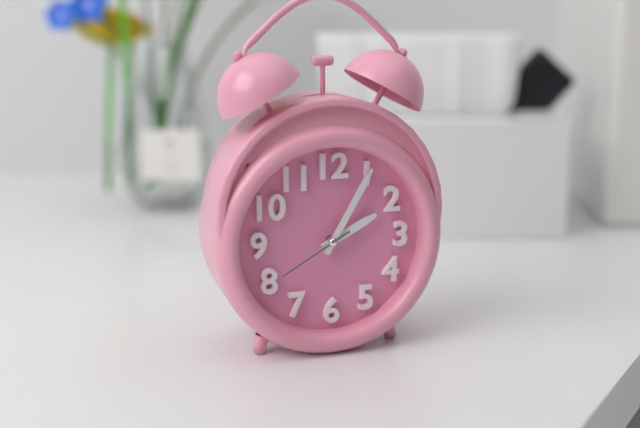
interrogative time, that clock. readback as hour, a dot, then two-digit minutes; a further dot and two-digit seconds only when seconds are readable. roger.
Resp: 2.05.40
